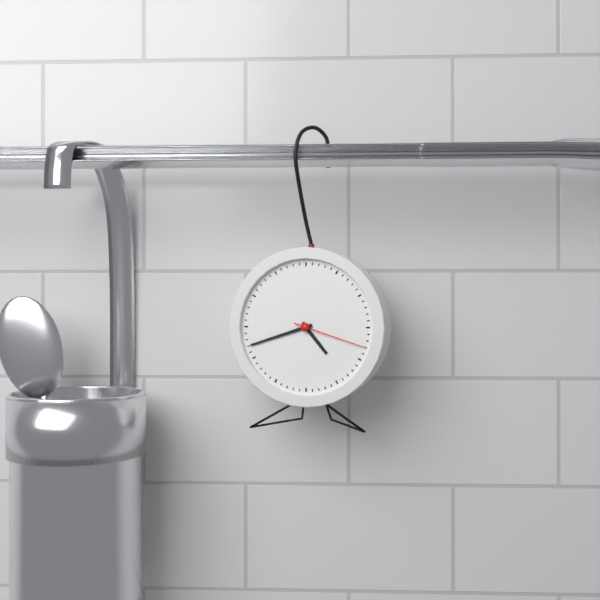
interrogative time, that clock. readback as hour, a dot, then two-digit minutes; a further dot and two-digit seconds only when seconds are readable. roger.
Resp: 4.42.18
